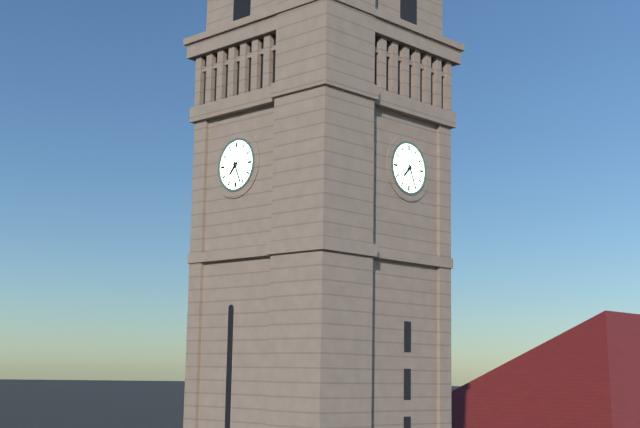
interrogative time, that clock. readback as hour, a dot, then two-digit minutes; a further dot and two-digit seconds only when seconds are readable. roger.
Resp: 7.26
